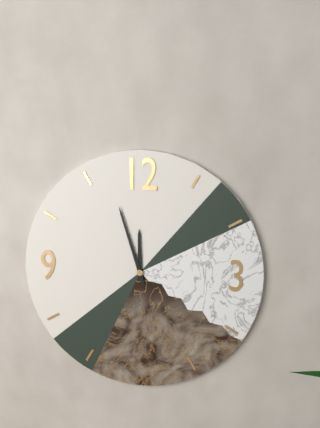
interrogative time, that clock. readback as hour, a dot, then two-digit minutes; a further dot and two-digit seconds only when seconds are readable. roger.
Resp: 11.57
